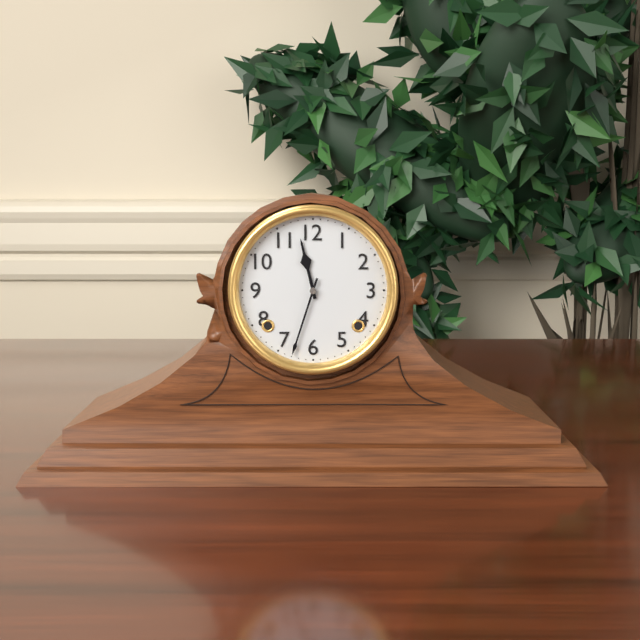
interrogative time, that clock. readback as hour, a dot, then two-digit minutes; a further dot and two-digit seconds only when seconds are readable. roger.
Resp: 11.33
